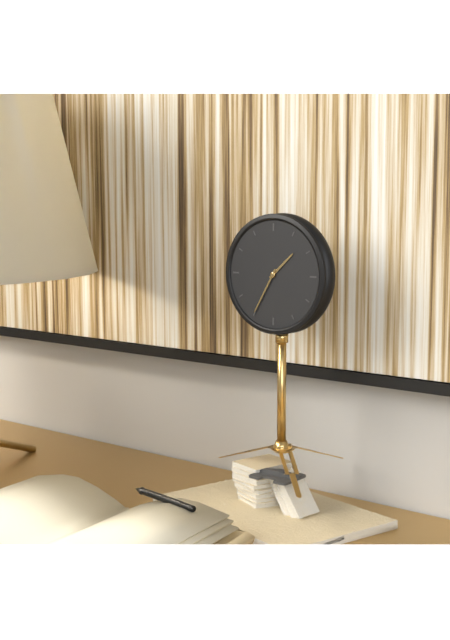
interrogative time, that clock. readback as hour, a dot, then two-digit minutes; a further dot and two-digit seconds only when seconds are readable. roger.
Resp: 1.35
